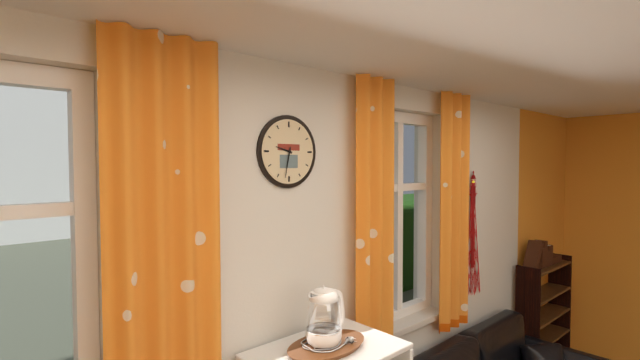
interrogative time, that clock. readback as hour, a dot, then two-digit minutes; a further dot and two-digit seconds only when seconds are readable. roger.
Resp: 9.32
